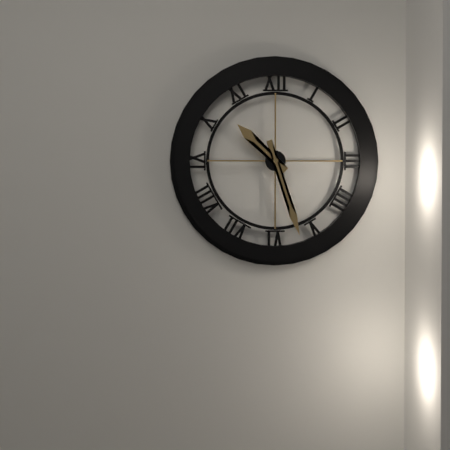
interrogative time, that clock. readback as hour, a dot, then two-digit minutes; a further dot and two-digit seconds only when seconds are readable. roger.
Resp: 10.27
